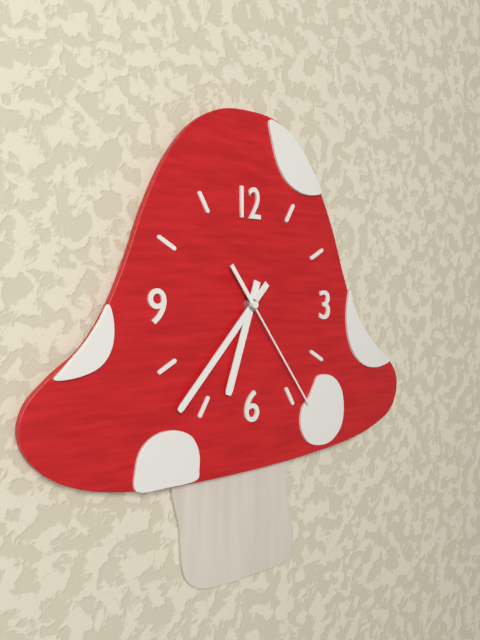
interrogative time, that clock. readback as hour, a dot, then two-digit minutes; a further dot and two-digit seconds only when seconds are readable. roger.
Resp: 6.37.24
